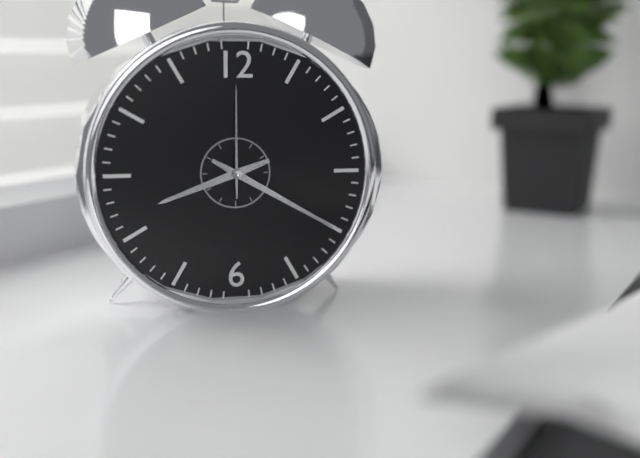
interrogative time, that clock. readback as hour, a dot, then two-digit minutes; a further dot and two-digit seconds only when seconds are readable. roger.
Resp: 8.20.00
